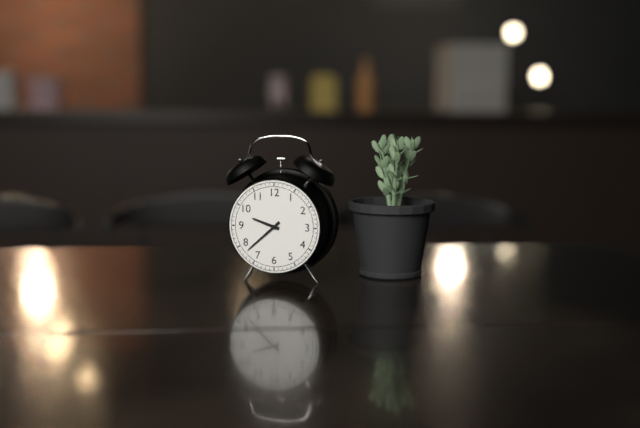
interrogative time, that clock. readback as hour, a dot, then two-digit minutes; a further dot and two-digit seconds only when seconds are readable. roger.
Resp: 9.38
